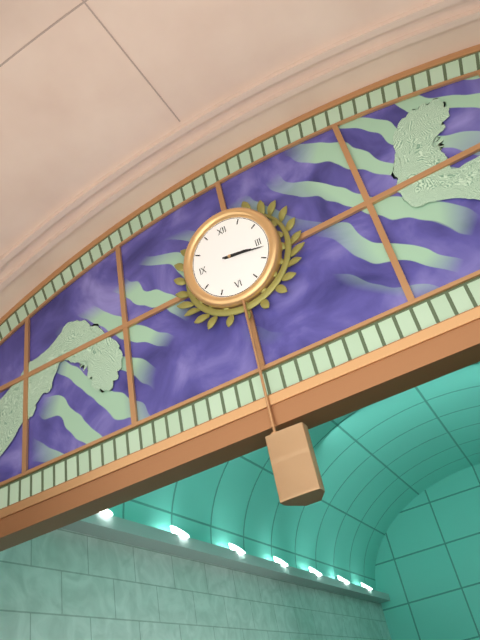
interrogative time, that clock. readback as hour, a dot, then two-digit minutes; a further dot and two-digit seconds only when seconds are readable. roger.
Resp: 3.17
